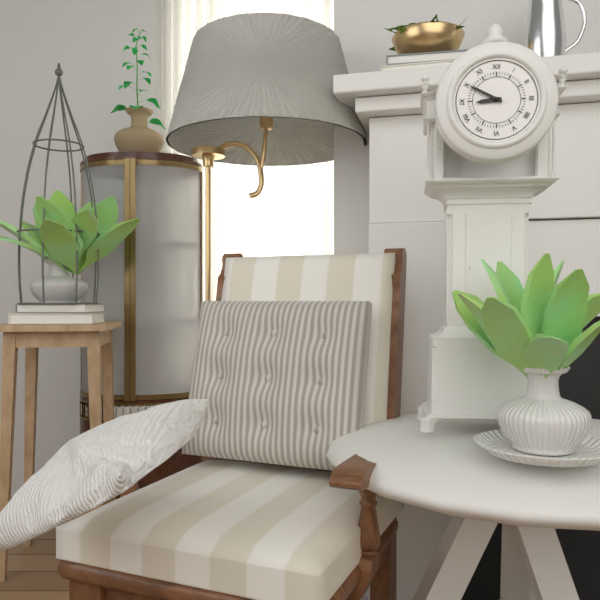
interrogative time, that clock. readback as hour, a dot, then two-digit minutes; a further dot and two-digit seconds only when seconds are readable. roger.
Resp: 8.50
